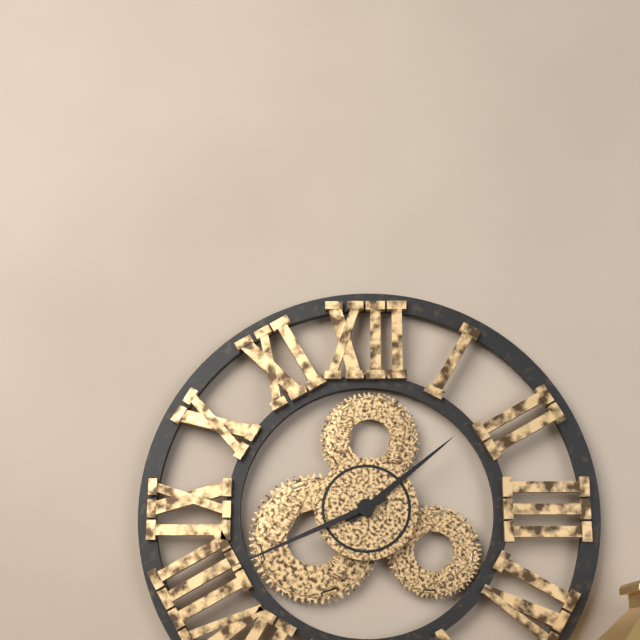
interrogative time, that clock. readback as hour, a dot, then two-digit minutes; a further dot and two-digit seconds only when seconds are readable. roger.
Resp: 1.41
